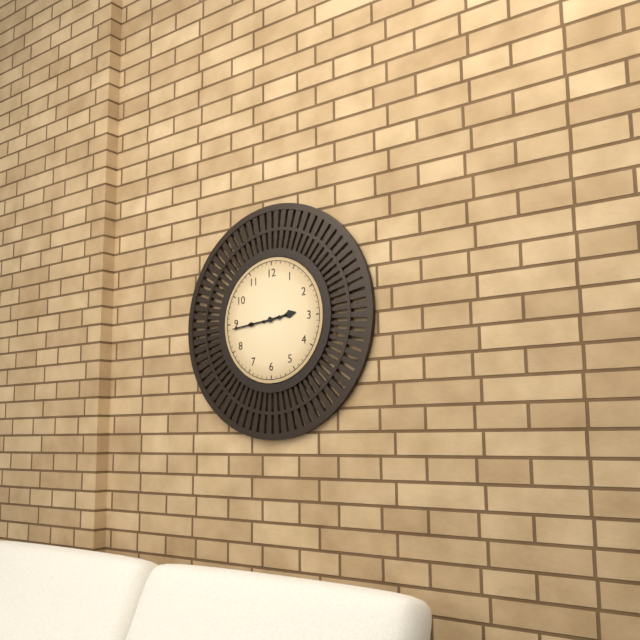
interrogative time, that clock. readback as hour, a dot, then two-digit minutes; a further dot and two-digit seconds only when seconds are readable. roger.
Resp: 2.44
